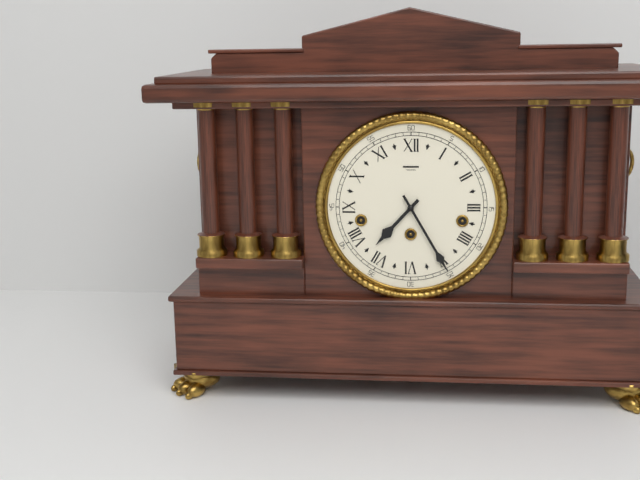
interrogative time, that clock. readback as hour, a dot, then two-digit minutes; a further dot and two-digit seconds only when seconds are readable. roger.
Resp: 7.25
